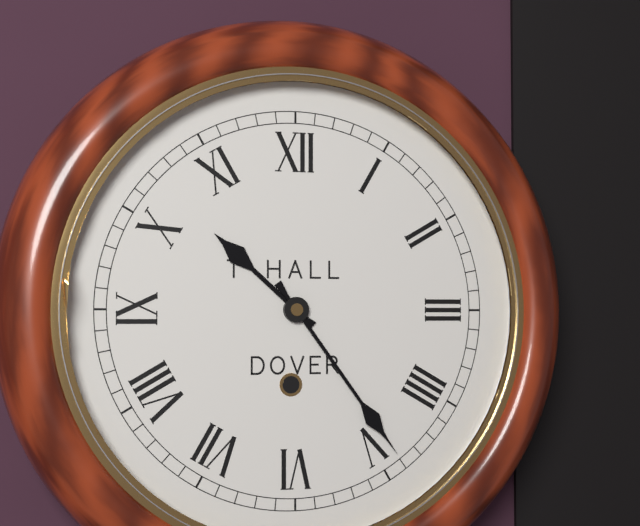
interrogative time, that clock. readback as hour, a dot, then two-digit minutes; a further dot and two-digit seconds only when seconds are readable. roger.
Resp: 10.24
